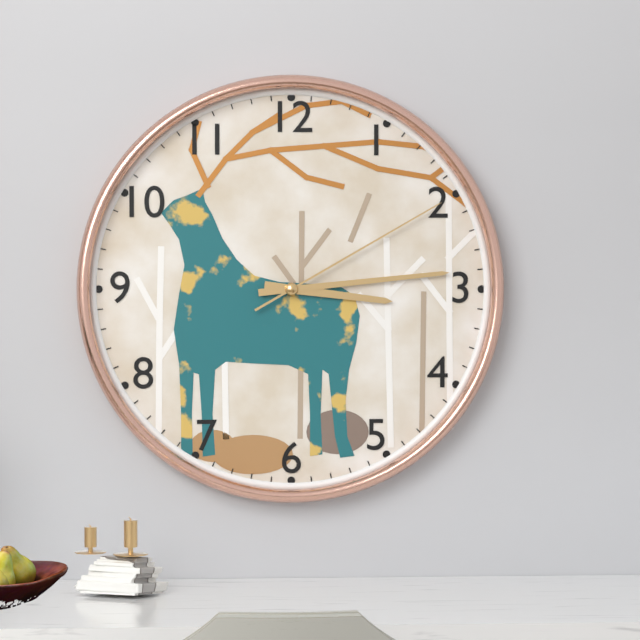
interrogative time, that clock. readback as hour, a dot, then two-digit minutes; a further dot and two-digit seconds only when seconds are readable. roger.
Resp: 3.14.10
